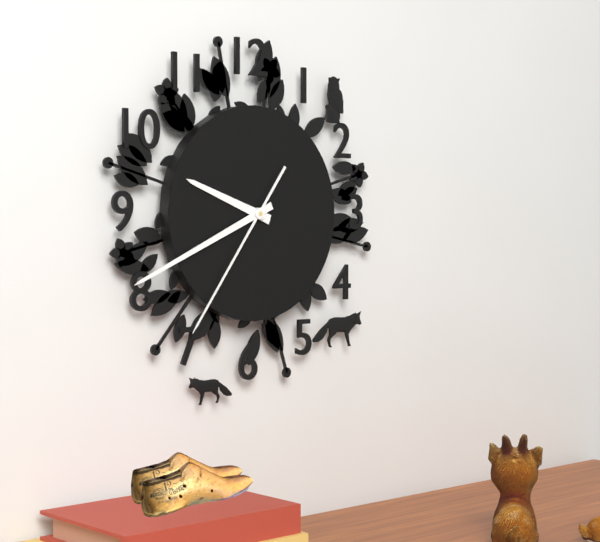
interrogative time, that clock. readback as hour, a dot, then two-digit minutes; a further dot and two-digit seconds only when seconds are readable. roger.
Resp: 9.41.36
